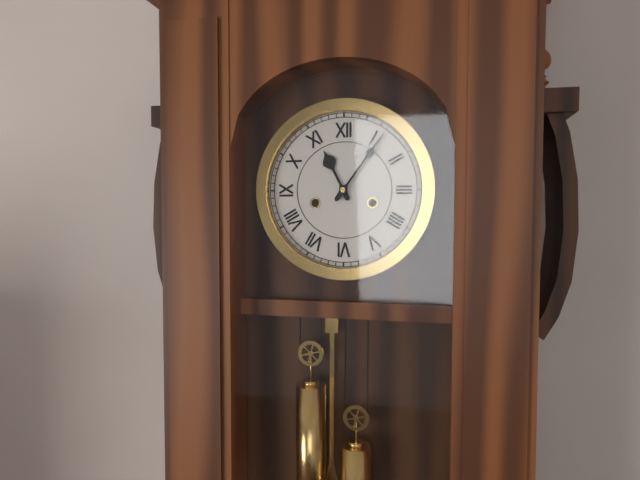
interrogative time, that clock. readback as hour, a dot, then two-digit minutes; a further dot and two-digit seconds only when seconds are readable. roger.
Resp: 11.06
